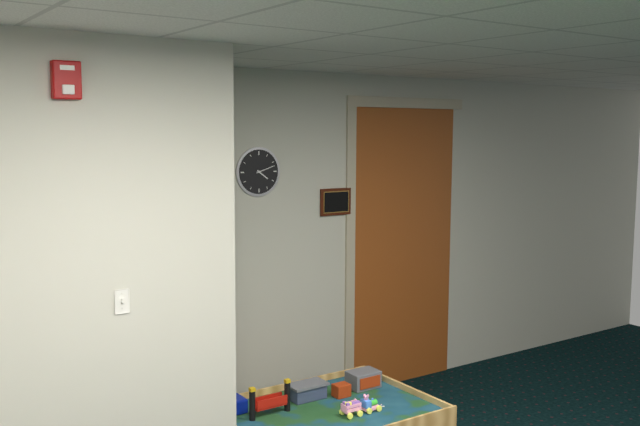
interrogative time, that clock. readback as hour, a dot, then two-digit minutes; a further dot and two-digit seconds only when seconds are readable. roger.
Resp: 4.12
